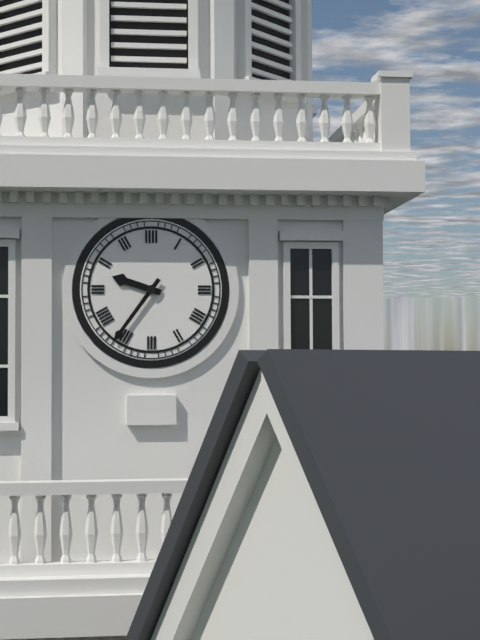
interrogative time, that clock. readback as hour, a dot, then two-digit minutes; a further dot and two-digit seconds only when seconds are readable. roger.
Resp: 9.36
